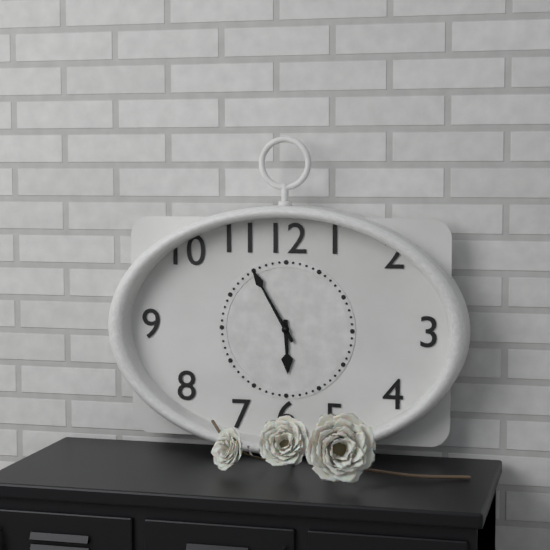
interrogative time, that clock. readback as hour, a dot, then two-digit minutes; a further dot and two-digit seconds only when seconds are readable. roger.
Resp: 5.55
